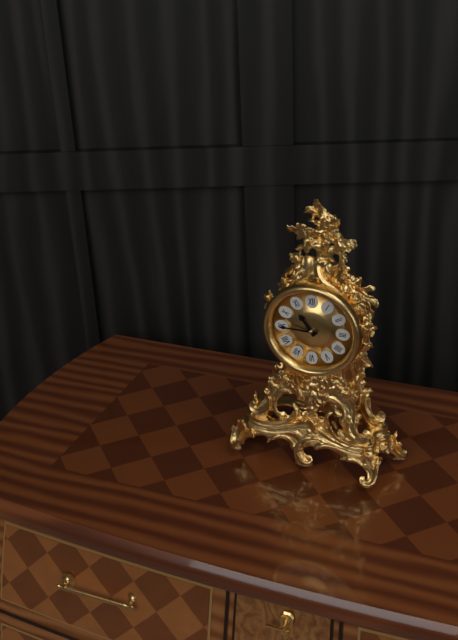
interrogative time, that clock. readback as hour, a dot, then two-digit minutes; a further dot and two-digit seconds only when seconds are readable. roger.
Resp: 10.45
